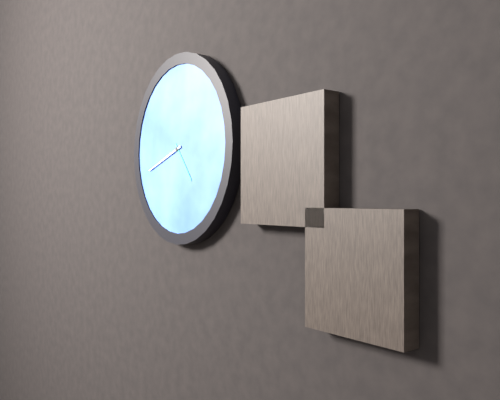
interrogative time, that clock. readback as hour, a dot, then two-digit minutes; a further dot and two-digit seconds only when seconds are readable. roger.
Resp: 4.42
